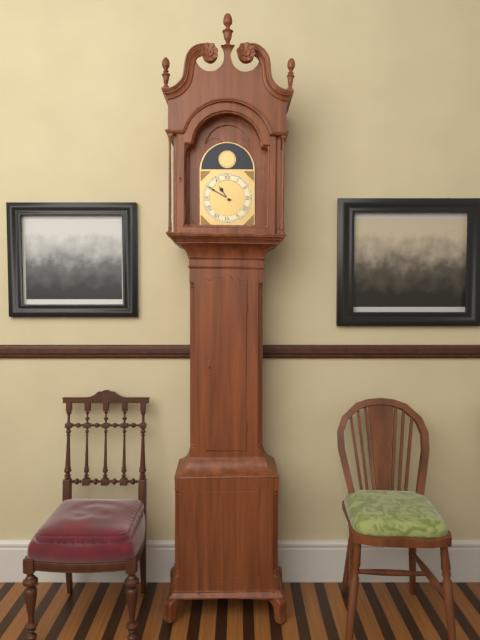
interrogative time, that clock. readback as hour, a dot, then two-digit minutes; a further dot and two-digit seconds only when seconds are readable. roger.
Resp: 10.50
